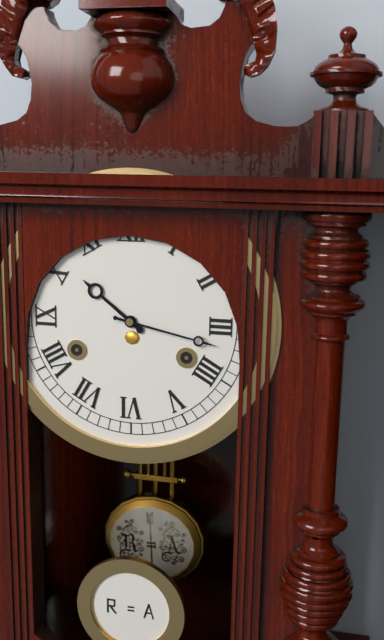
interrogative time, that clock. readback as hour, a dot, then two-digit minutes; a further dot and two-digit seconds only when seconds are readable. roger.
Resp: 10.17
